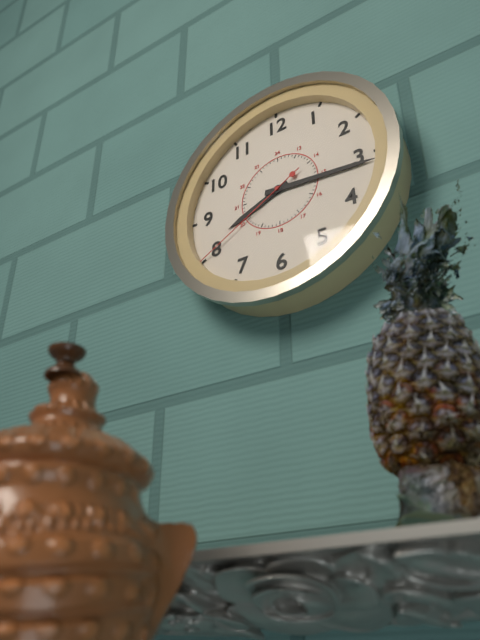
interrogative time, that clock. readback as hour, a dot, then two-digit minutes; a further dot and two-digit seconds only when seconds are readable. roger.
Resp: 8.16.40
